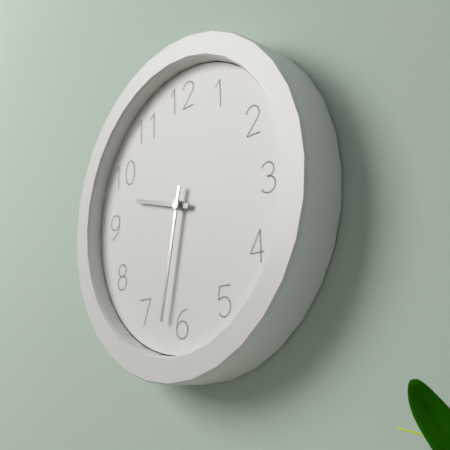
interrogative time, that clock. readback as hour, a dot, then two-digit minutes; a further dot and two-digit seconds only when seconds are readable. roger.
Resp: 9.32
